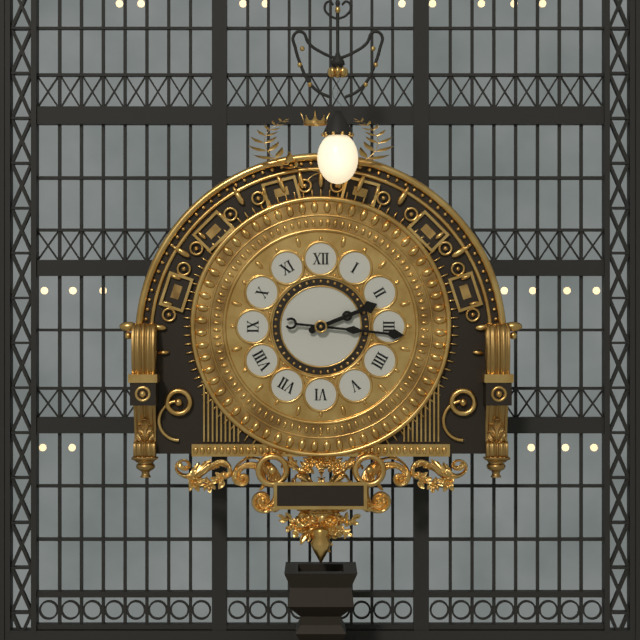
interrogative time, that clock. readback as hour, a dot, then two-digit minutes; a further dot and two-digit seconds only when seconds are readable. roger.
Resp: 2.16
